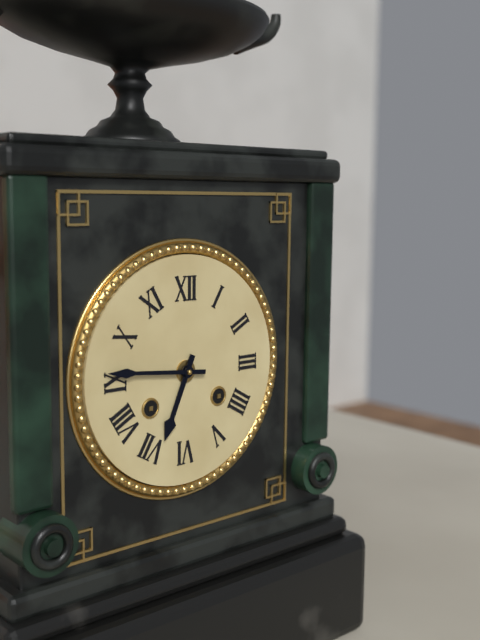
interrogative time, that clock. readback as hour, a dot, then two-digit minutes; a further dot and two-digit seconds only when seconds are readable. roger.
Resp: 6.46
